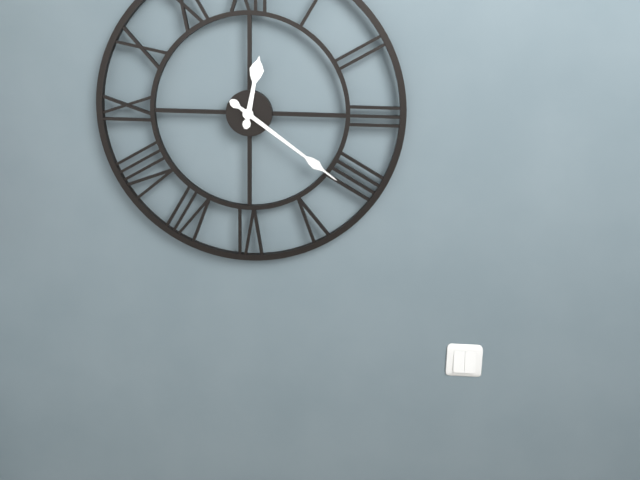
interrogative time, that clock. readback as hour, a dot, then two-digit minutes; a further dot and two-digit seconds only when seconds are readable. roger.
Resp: 12.21
